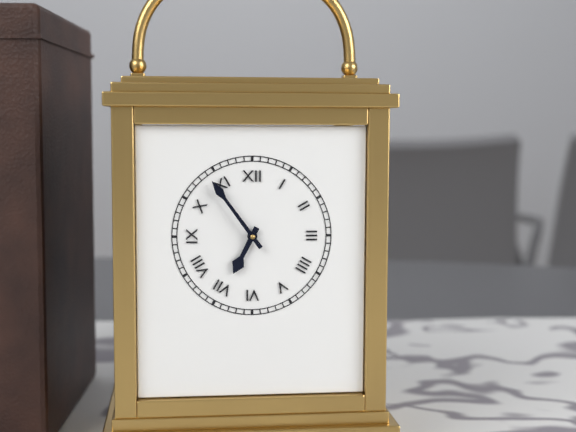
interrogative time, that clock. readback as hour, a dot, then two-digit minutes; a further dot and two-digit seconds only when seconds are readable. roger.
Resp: 6.54
